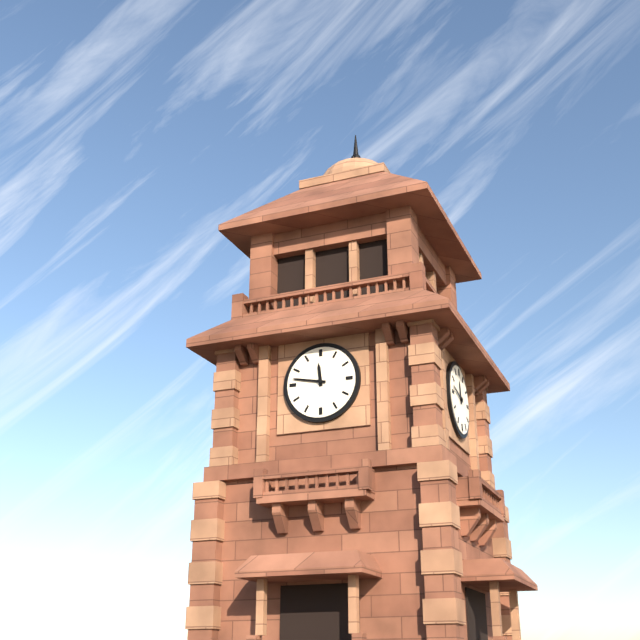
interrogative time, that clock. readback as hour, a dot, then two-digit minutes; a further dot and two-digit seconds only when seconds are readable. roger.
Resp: 11.47
